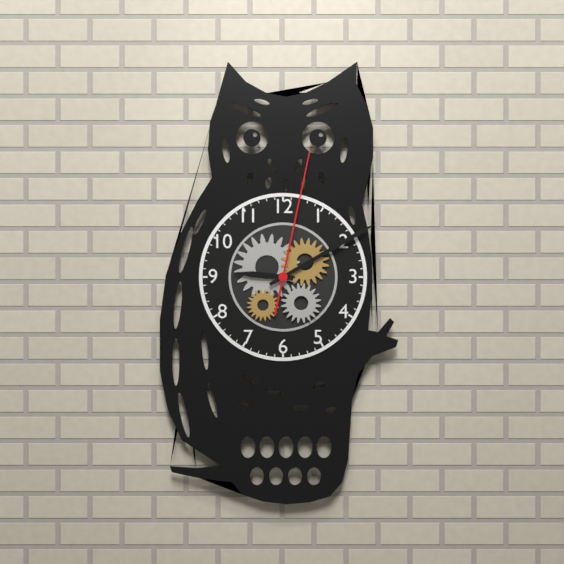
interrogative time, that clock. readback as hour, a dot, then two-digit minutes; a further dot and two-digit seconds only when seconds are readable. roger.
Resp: 9.10.02
